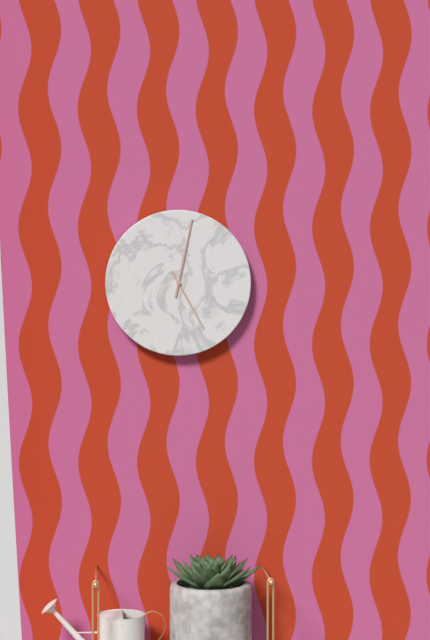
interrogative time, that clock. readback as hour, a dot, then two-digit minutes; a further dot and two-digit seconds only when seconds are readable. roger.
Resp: 5.02
